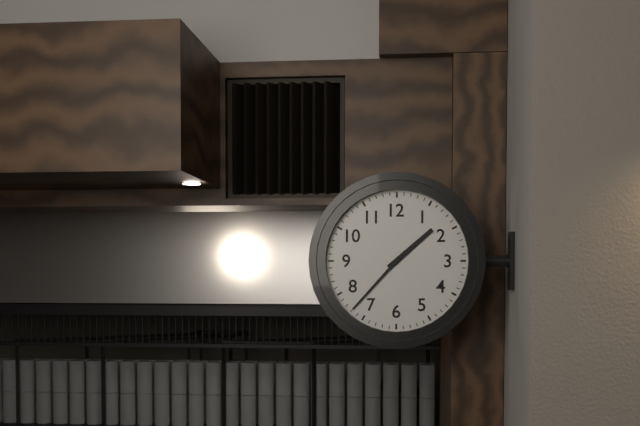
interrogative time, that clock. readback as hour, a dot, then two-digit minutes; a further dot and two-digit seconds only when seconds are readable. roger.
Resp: 1.37
